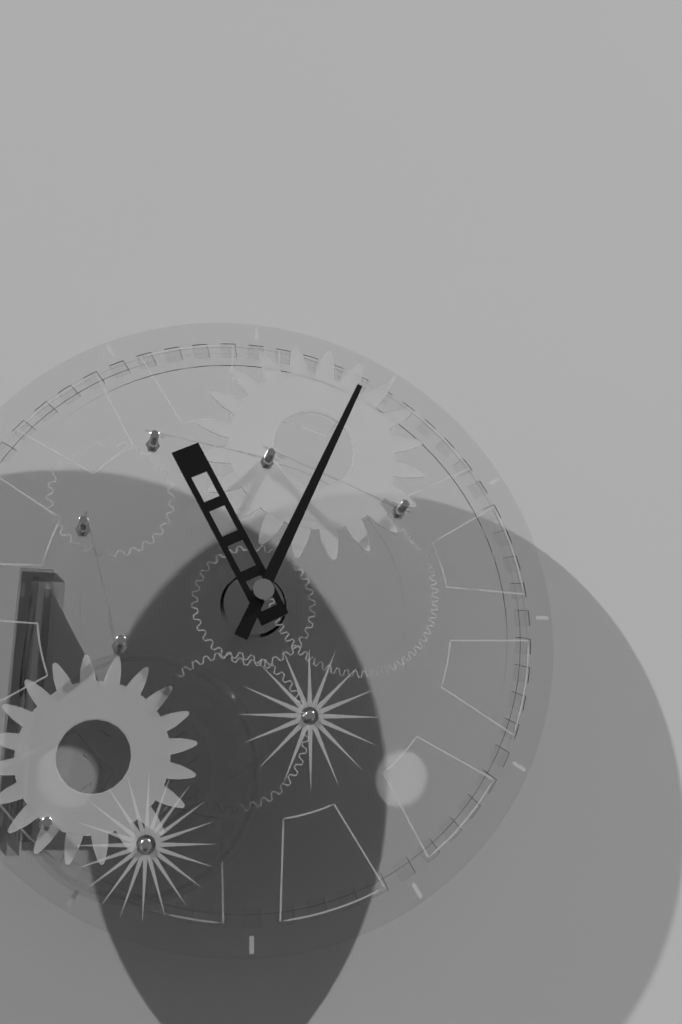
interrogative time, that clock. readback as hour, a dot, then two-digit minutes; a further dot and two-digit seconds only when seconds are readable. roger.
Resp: 11.04
